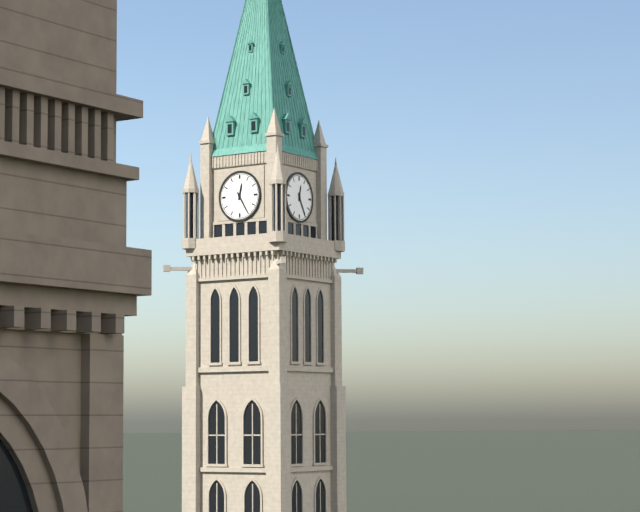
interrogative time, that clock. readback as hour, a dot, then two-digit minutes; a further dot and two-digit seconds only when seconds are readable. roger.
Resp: 12.25
